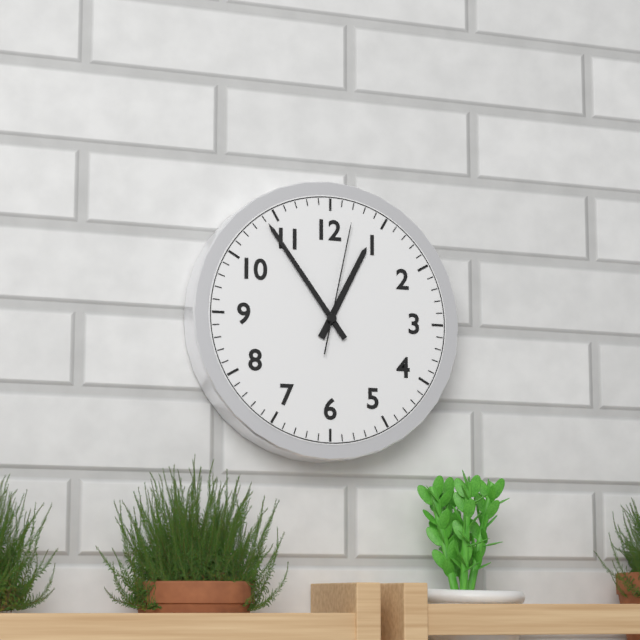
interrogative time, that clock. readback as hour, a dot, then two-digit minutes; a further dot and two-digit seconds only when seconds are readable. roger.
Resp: 12.54.02
